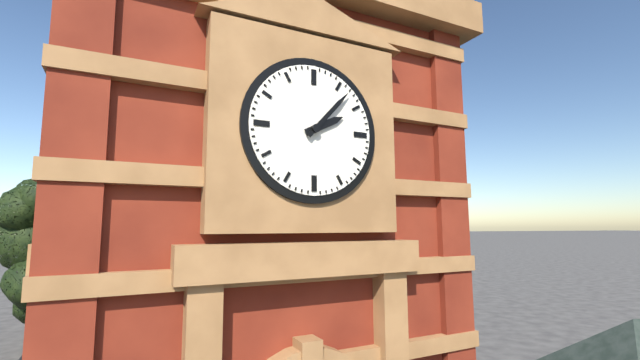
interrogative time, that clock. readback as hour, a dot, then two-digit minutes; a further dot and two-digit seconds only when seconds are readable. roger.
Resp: 2.07
